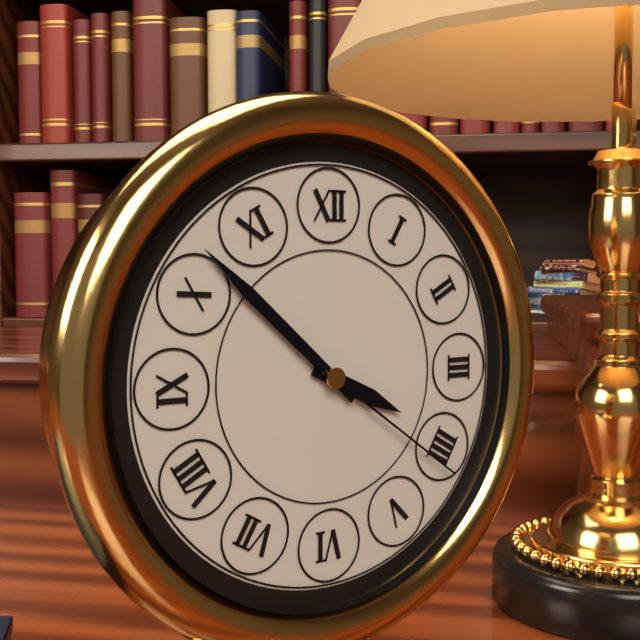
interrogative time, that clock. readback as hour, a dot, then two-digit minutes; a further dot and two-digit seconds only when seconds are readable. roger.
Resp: 3.52.21
